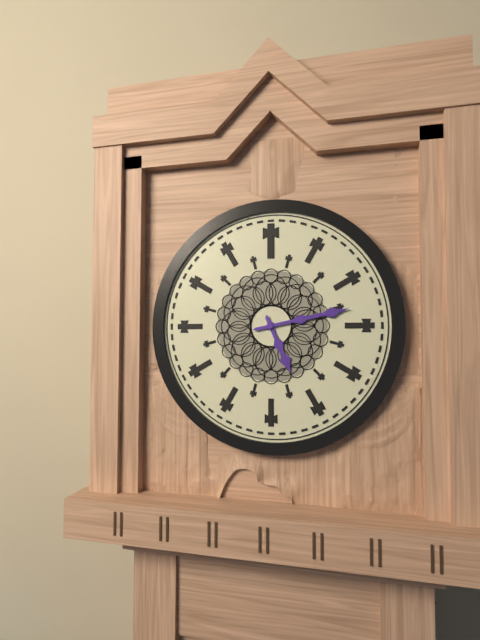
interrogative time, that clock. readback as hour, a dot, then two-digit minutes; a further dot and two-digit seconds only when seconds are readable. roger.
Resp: 5.13
